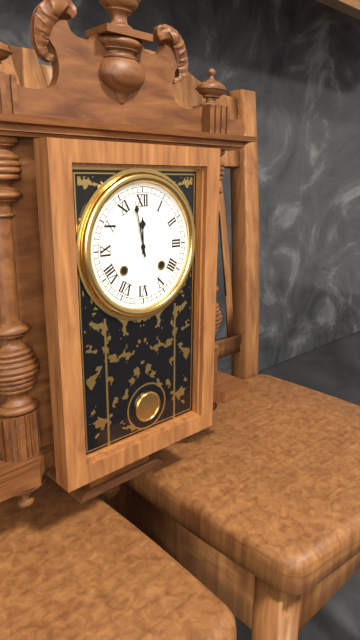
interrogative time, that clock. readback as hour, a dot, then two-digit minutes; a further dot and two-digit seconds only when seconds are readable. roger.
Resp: 11.58
